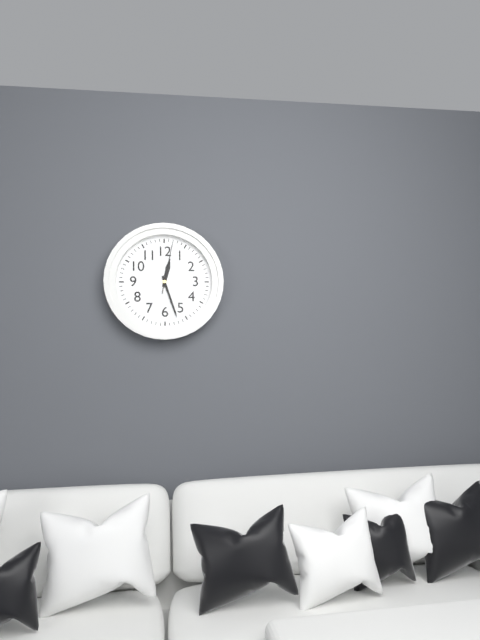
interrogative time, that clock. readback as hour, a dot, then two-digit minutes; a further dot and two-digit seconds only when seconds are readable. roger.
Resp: 12.27.02
